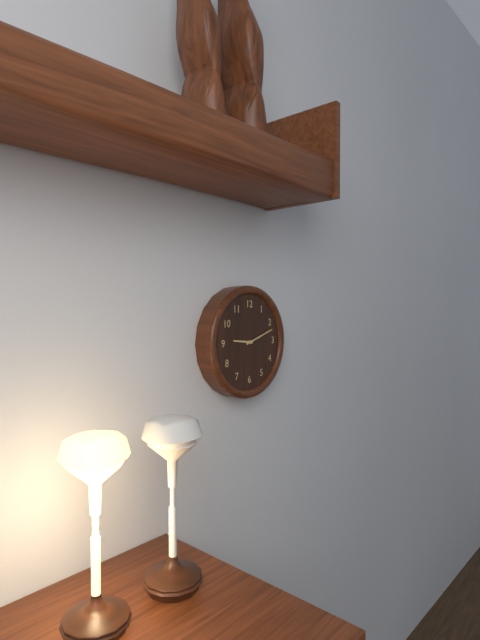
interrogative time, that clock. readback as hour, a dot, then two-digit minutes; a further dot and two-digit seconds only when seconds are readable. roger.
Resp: 9.12
